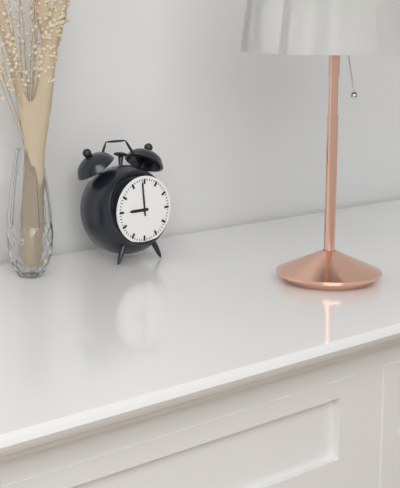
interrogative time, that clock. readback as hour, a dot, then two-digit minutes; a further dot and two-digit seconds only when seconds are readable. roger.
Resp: 8.59
